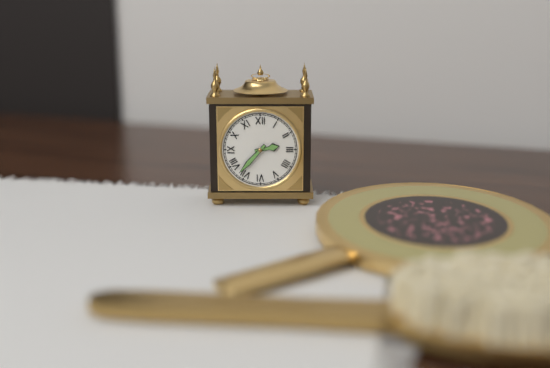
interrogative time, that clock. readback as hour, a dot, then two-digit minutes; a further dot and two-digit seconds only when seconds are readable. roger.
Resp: 2.37
